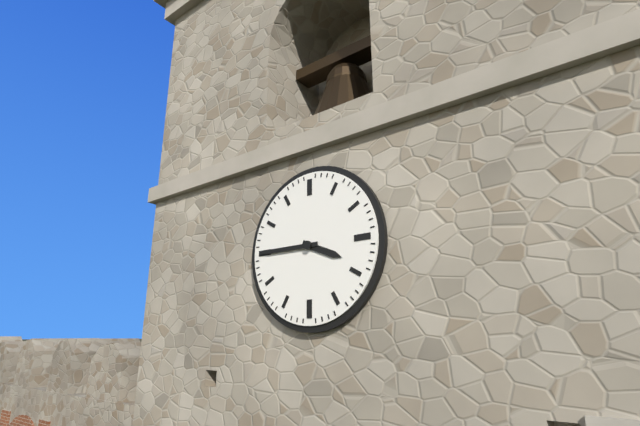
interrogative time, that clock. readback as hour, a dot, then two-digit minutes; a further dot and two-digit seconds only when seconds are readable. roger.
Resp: 3.45
